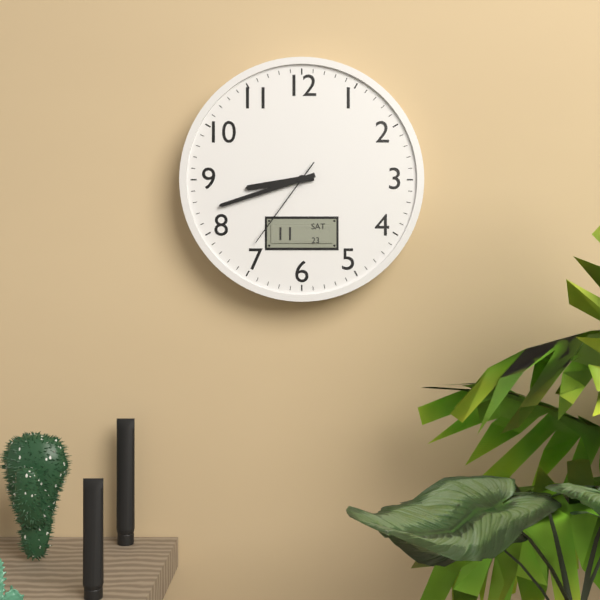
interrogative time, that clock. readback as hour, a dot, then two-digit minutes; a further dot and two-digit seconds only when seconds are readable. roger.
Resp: 8.42.36
